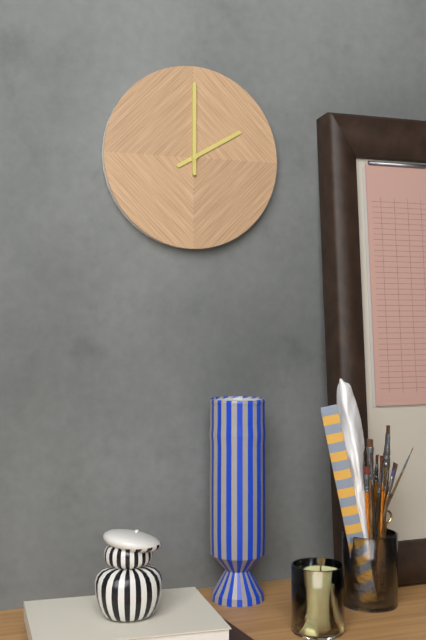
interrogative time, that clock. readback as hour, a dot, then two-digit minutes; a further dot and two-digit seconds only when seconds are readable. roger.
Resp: 2.00
